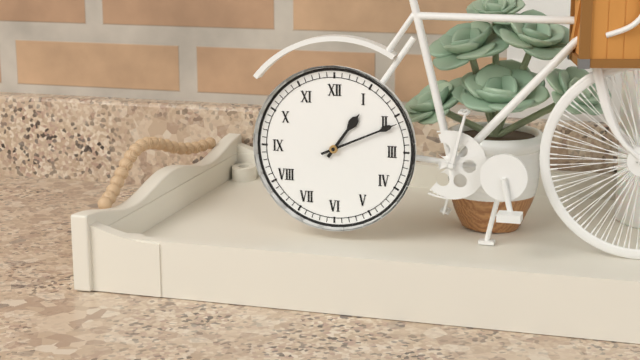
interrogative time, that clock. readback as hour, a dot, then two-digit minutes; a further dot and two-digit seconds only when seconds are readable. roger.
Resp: 1.11
